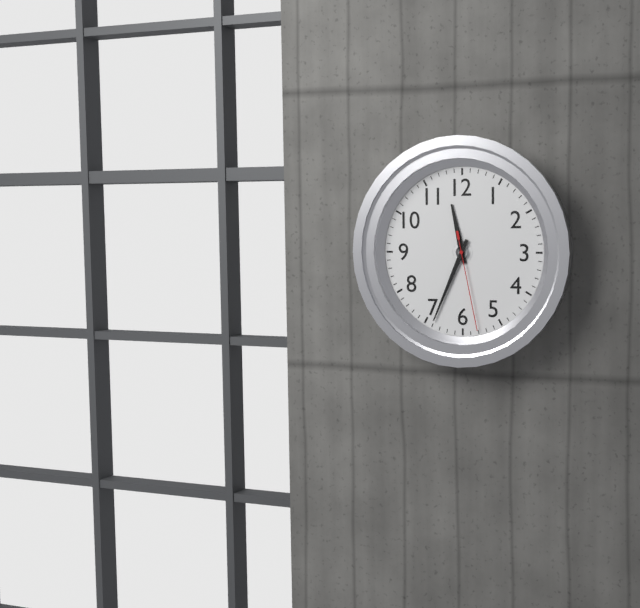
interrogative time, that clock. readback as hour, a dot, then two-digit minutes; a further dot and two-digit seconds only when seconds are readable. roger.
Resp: 11.34.28
